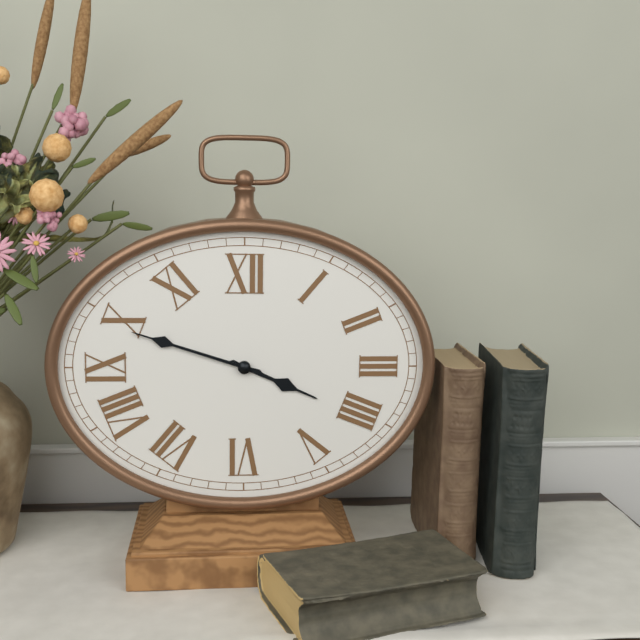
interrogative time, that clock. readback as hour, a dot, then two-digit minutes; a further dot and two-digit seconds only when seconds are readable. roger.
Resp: 3.48
